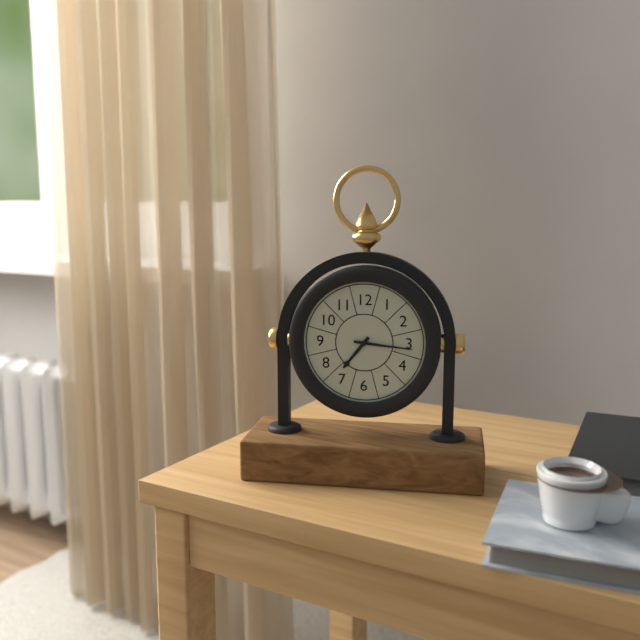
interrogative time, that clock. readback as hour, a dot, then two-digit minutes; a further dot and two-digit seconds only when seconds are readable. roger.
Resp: 7.16
